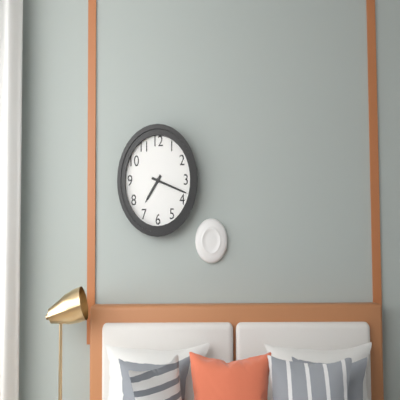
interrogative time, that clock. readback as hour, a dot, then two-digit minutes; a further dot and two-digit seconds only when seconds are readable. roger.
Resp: 7.18
